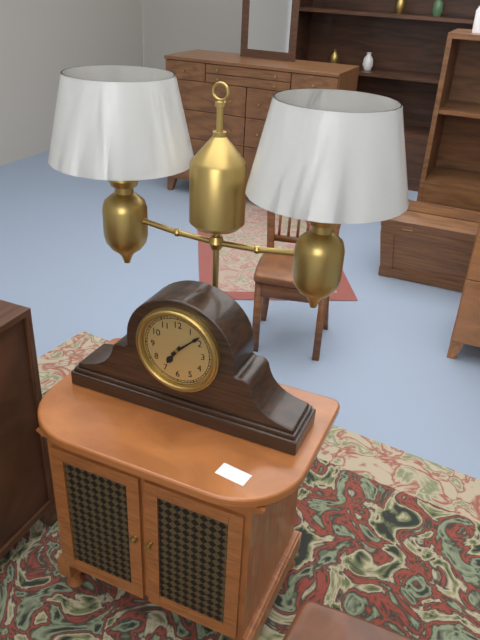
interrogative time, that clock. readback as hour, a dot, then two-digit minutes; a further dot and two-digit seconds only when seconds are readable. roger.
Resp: 7.08
